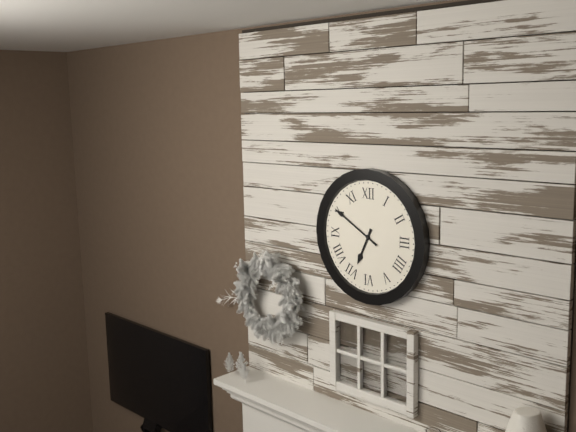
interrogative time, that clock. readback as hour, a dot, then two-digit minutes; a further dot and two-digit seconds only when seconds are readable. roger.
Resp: 6.50
